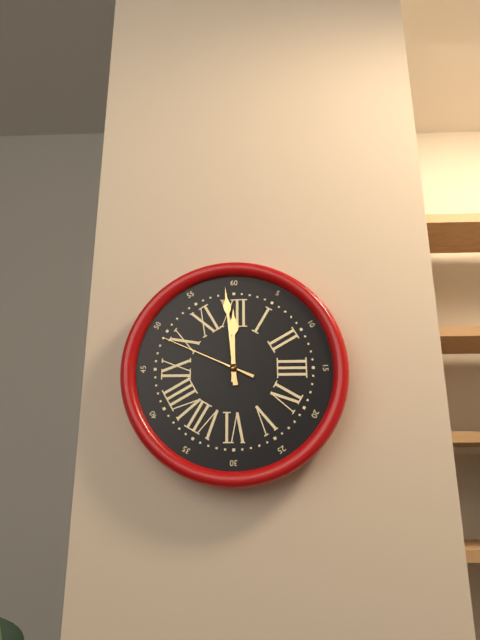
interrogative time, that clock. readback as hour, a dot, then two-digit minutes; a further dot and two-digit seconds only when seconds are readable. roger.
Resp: 11.59.49
